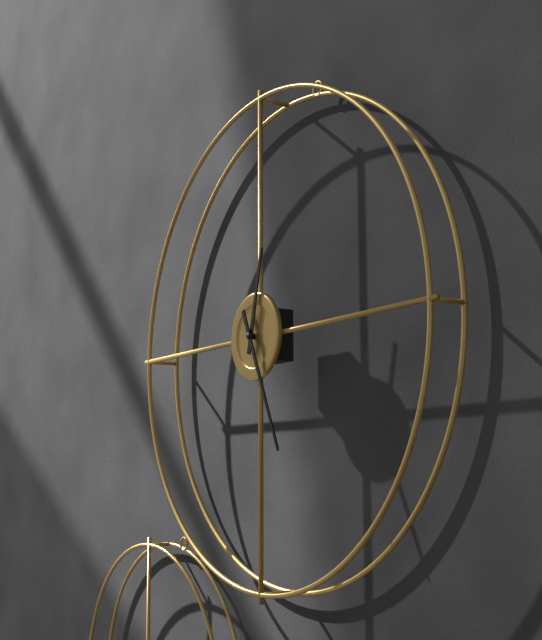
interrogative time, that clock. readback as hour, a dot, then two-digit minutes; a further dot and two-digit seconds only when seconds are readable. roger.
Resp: 12.26
